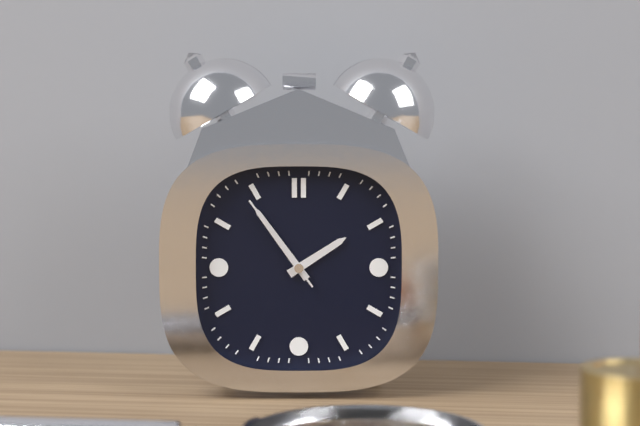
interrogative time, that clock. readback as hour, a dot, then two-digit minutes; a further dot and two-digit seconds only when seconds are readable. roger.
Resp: 1.54.54
